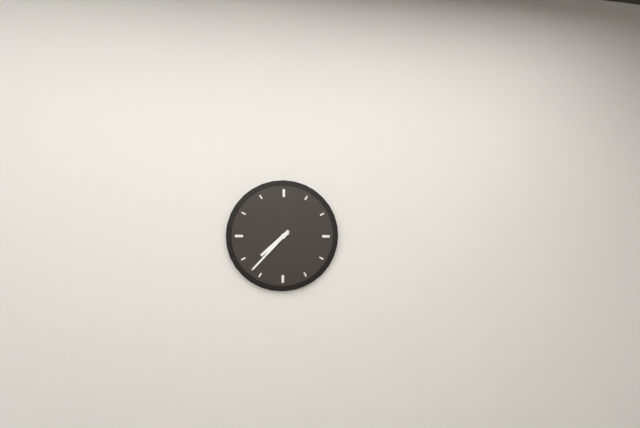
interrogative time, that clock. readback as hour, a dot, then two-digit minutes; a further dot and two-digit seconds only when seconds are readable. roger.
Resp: 7.37
